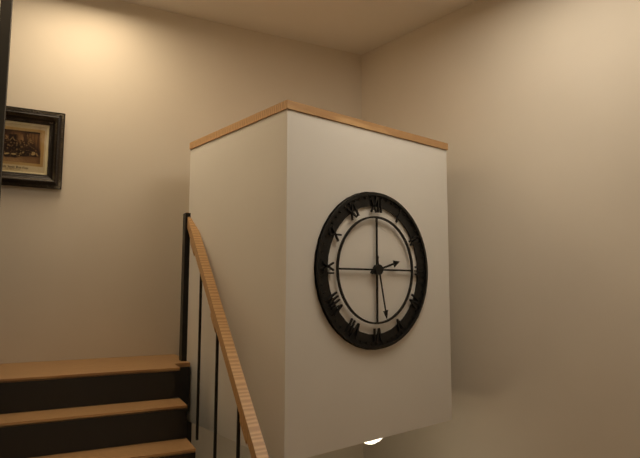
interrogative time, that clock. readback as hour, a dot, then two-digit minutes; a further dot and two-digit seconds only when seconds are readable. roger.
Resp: 2.28
